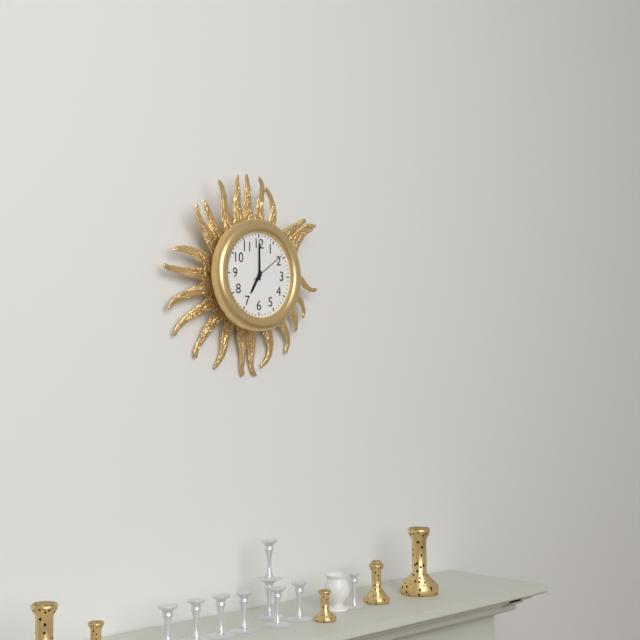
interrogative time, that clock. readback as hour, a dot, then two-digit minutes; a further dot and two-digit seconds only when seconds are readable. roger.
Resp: 7.00
